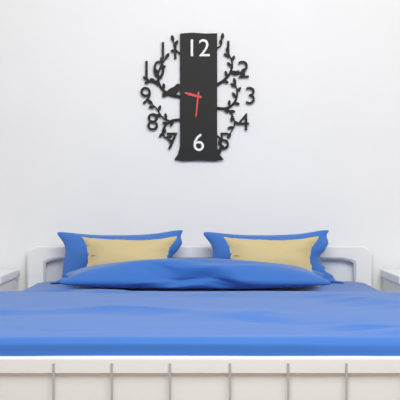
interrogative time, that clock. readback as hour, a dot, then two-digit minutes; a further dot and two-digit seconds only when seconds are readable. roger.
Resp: 9.31
